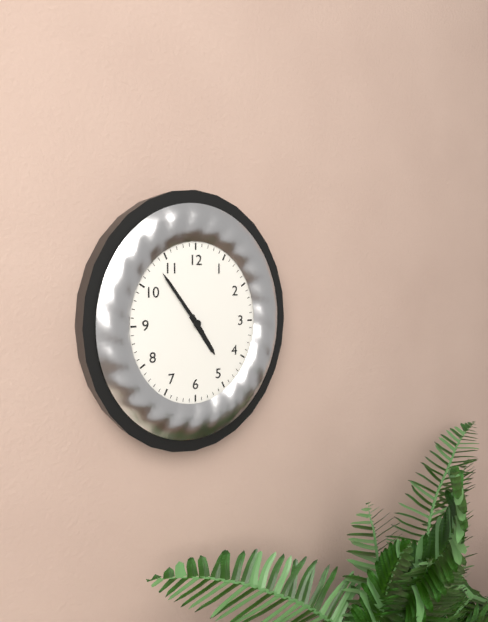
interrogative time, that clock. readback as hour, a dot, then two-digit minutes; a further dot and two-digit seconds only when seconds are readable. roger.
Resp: 4.54
